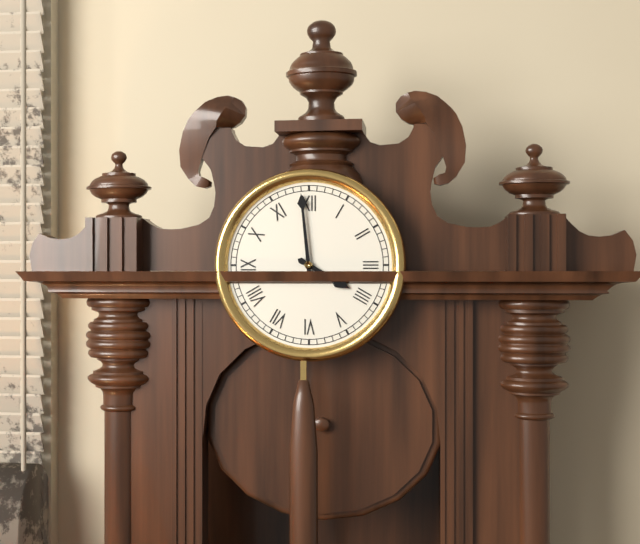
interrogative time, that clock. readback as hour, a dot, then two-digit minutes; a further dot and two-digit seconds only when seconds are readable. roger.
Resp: 3.59
